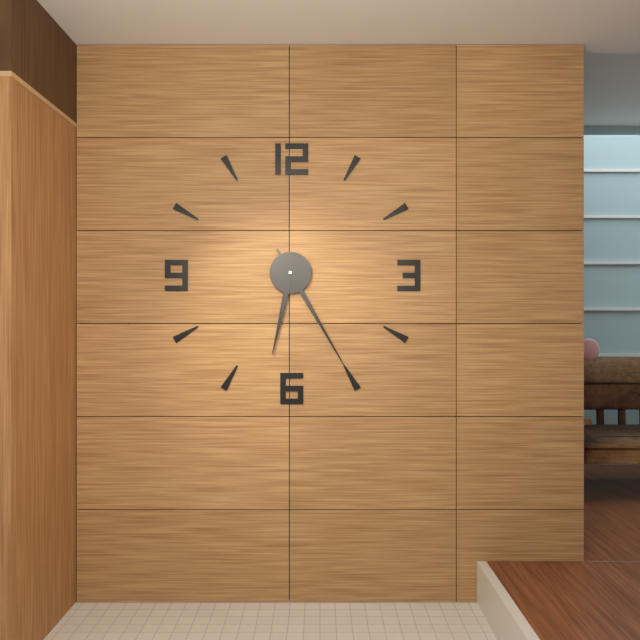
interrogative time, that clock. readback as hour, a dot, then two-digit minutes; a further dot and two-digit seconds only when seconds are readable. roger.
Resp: 6.25
